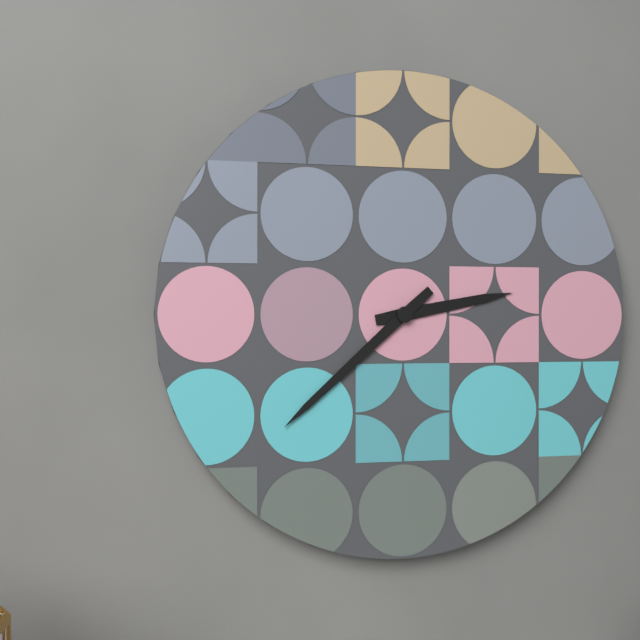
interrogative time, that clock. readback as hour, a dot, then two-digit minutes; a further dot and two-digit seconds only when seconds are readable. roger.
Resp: 2.38
